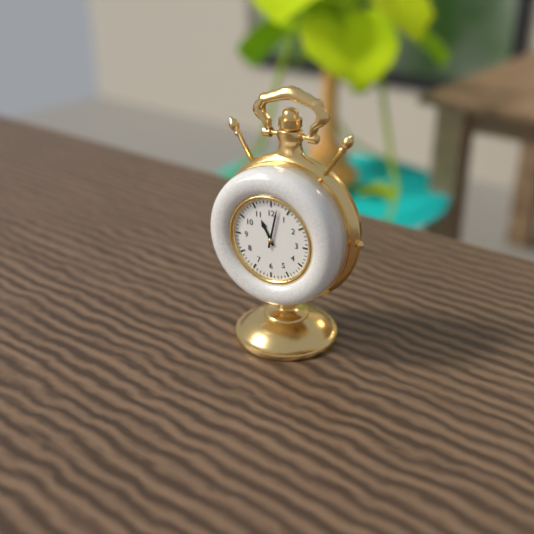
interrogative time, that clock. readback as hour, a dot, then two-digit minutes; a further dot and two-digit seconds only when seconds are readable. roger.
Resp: 11.02
